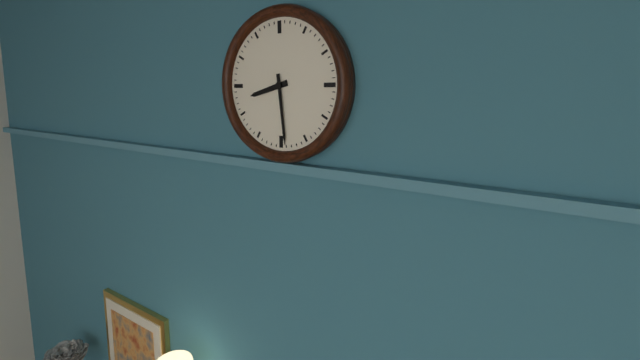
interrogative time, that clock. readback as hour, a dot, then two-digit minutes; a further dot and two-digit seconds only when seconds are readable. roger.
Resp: 8.29
